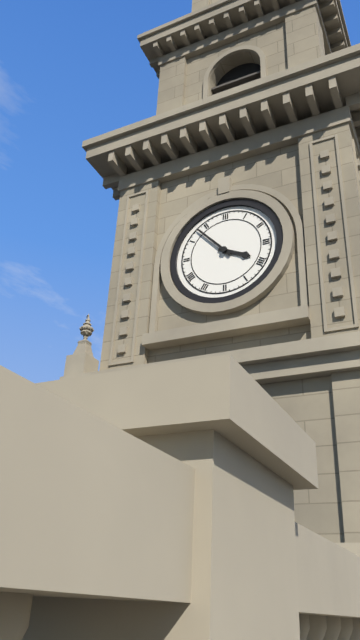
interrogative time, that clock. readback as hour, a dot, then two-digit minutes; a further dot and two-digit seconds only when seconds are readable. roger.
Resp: 3.53
